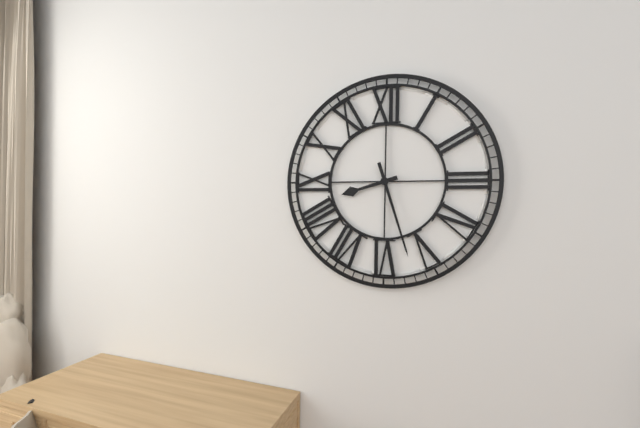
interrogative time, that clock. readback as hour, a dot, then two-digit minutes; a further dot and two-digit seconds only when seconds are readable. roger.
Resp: 8.27
